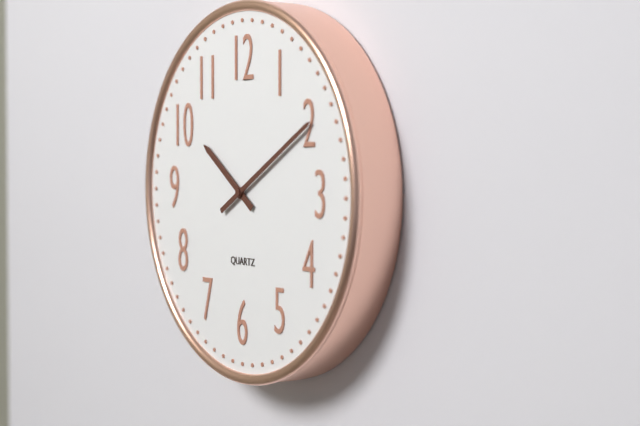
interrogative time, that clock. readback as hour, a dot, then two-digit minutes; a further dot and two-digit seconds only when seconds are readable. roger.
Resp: 10.10
